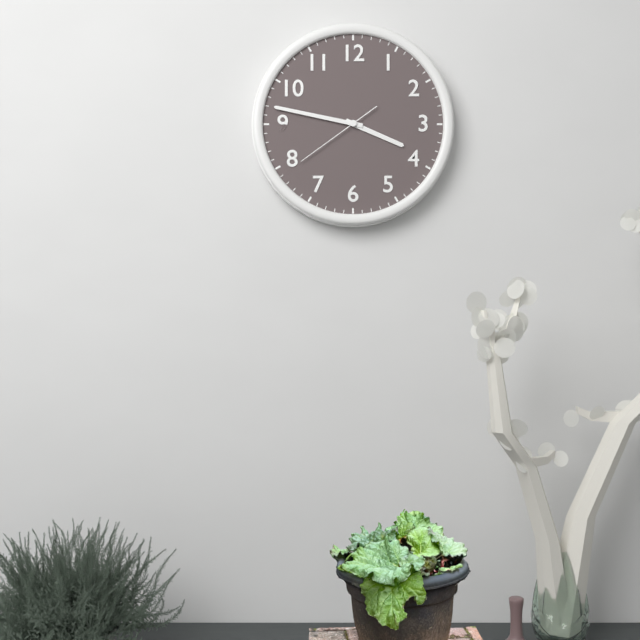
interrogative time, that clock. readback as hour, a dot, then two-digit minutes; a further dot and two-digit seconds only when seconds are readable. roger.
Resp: 3.47.39
